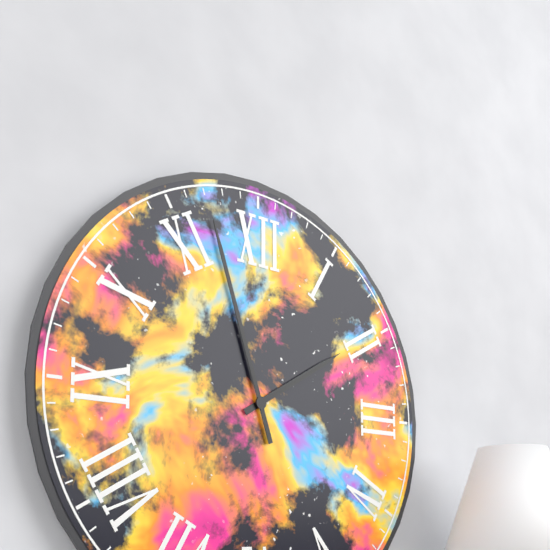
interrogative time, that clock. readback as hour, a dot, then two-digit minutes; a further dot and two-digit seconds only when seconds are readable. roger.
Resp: 1.57
